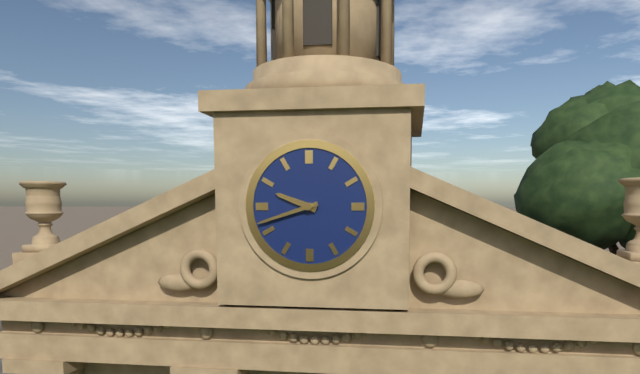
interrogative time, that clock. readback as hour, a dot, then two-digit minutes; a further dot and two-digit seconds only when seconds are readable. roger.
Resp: 9.42
